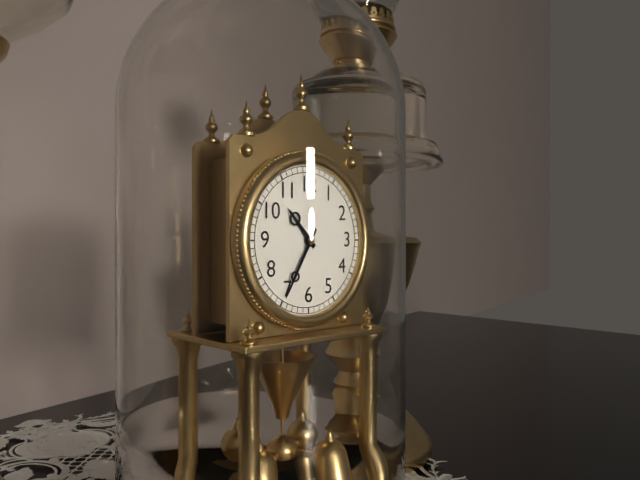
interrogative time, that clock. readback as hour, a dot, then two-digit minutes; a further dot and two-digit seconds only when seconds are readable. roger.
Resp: 10.35
